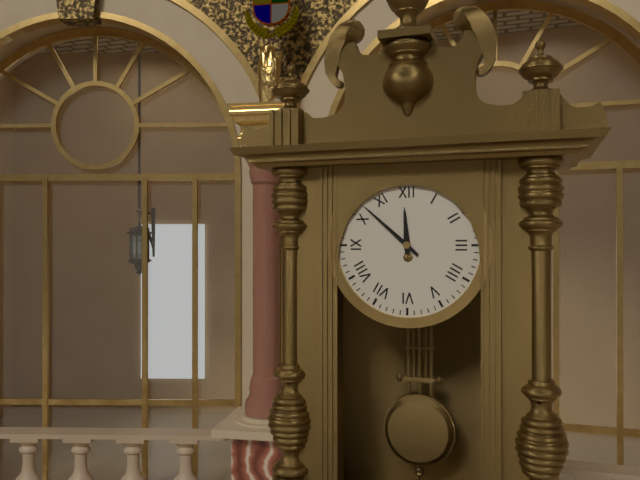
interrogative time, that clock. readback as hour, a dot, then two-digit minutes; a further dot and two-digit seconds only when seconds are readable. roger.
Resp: 11.52
